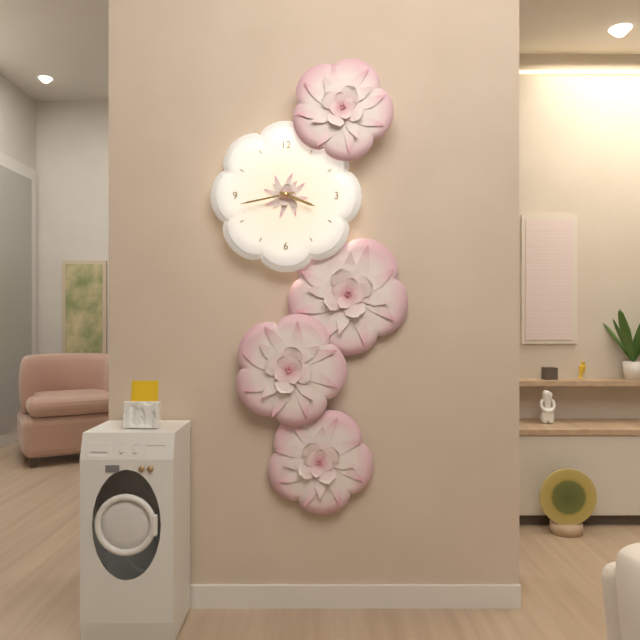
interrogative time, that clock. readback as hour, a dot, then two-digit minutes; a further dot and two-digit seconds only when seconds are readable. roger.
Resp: 3.43
